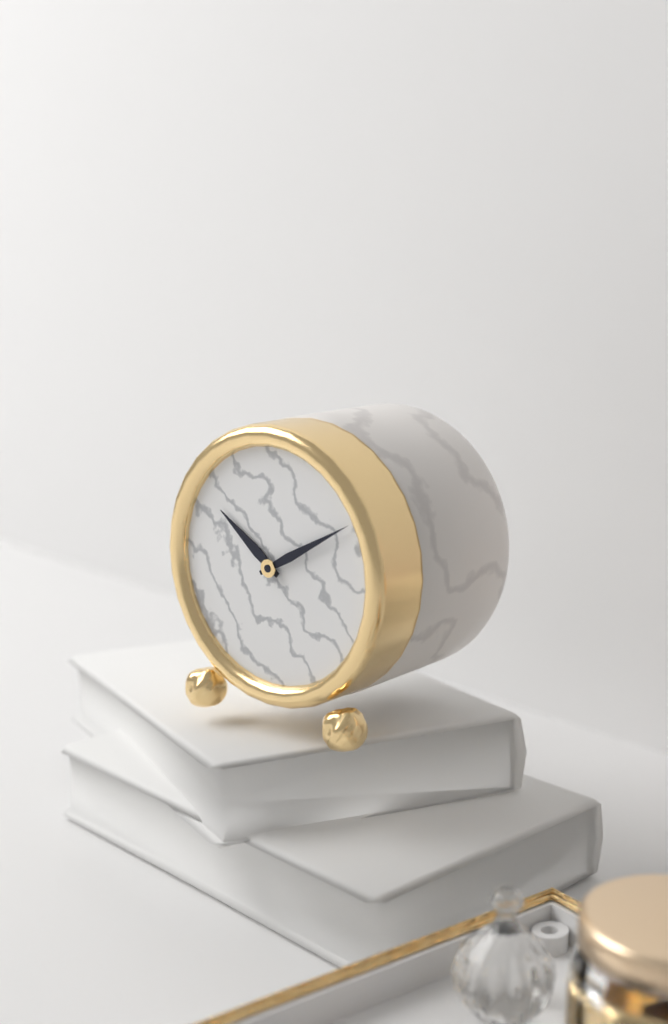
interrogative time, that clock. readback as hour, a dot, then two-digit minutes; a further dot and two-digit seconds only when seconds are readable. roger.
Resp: 10.10
